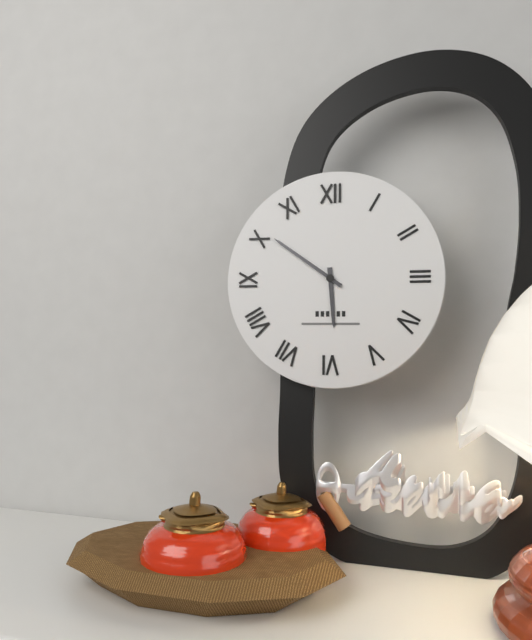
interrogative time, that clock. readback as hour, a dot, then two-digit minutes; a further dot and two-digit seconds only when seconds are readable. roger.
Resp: 5.51
